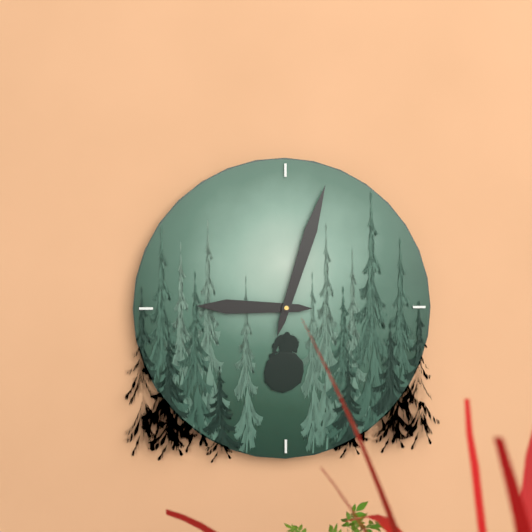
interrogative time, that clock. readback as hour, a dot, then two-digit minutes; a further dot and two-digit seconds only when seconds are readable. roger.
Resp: 9.03
